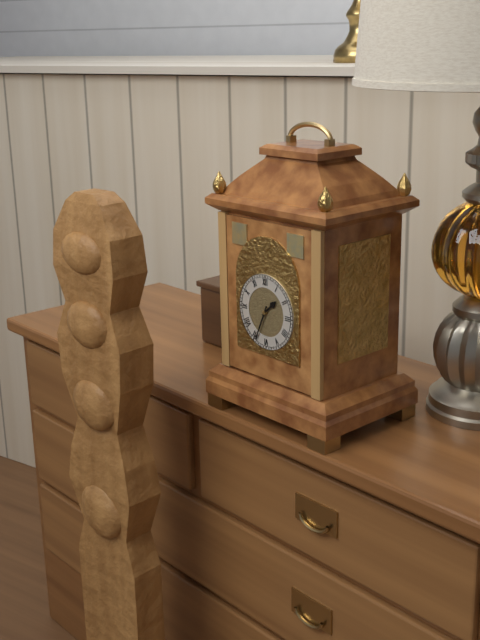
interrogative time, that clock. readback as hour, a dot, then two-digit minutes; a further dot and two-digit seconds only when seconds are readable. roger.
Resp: 1.34
